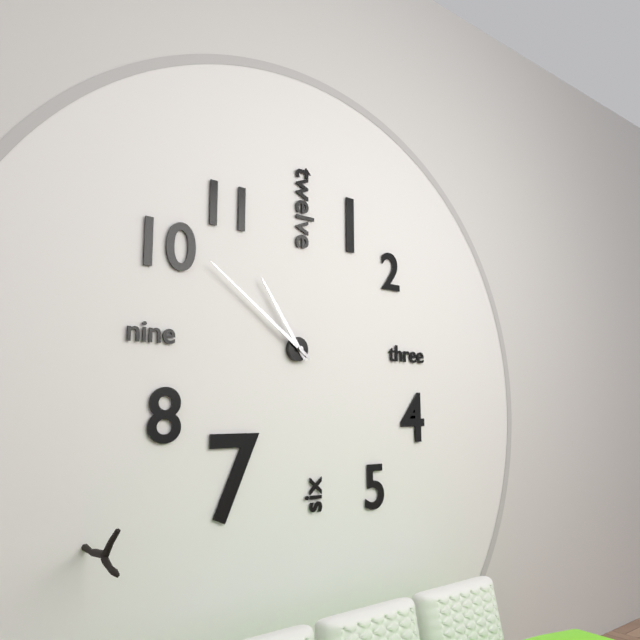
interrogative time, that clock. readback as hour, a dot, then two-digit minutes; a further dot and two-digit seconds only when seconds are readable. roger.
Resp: 10.51
